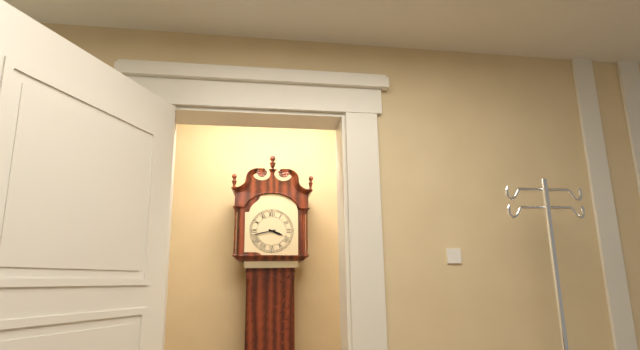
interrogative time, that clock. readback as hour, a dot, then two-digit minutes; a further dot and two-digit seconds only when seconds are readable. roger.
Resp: 3.43
